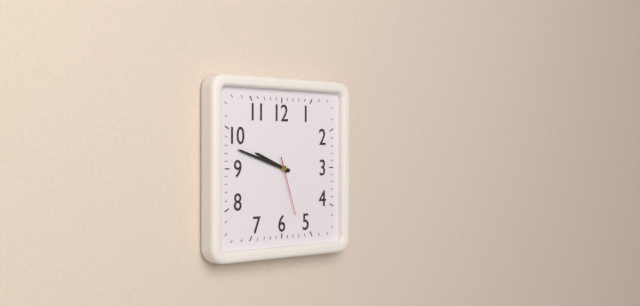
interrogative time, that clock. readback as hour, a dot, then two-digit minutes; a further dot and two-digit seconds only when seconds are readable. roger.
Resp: 9.48.27
